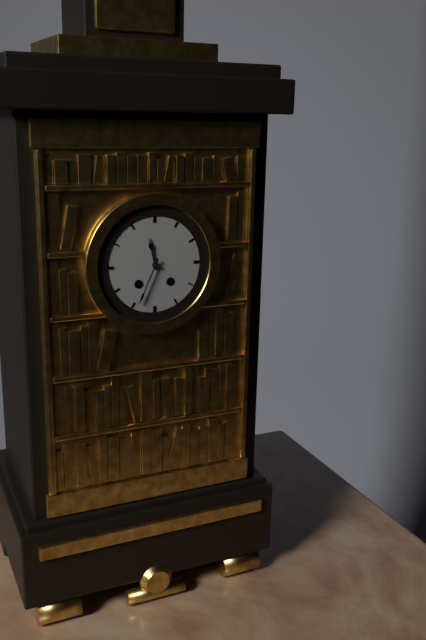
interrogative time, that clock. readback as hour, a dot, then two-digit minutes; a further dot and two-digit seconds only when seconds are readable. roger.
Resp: 11.34
